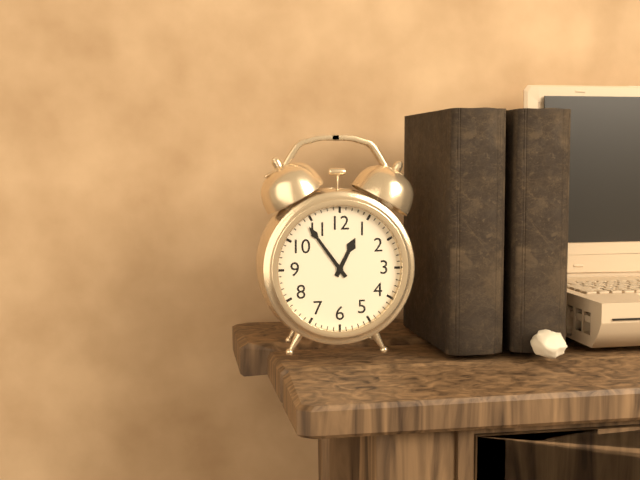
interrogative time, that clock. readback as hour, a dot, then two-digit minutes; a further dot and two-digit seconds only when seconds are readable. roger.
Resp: 12.54
